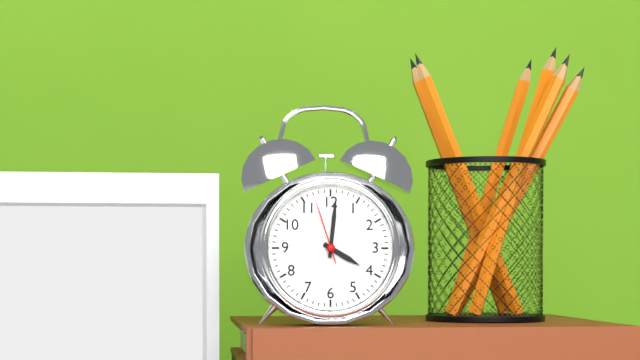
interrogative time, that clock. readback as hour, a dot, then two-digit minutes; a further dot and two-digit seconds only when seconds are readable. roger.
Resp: 4.01.57
